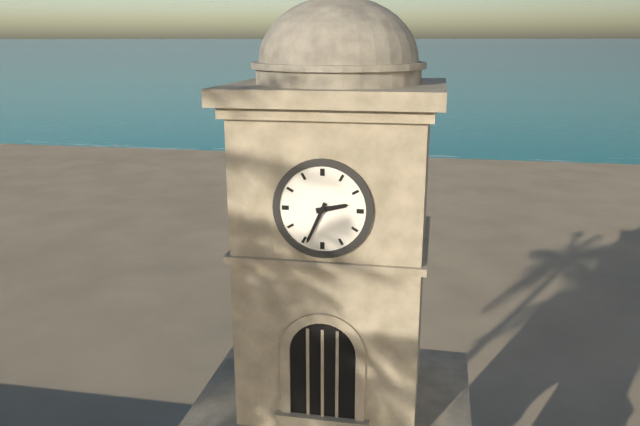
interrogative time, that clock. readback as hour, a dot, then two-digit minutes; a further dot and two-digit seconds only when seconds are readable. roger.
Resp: 2.34
